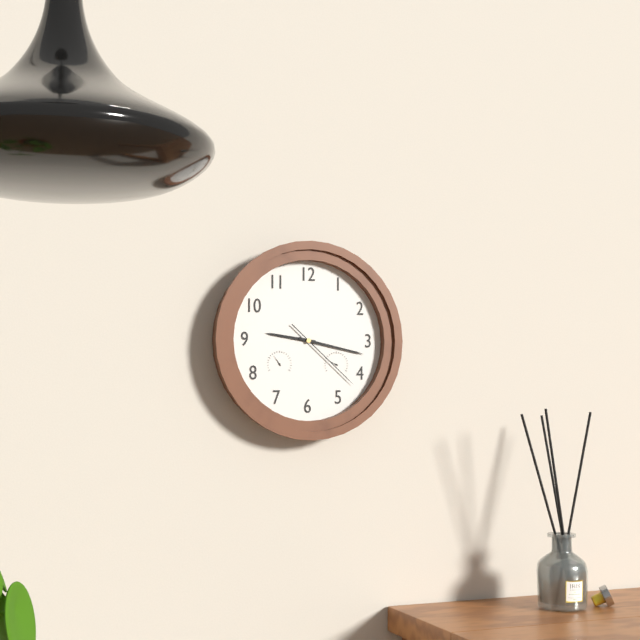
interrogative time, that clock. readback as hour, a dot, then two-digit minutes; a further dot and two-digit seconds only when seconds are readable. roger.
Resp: 9.17.22
